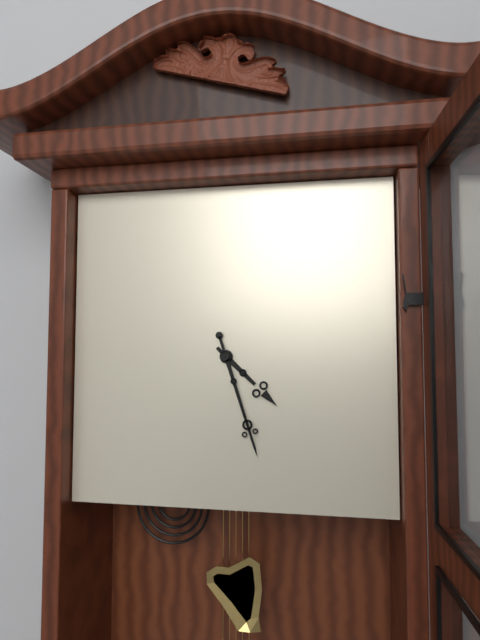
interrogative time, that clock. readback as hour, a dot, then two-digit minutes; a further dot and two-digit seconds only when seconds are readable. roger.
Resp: 4.27
